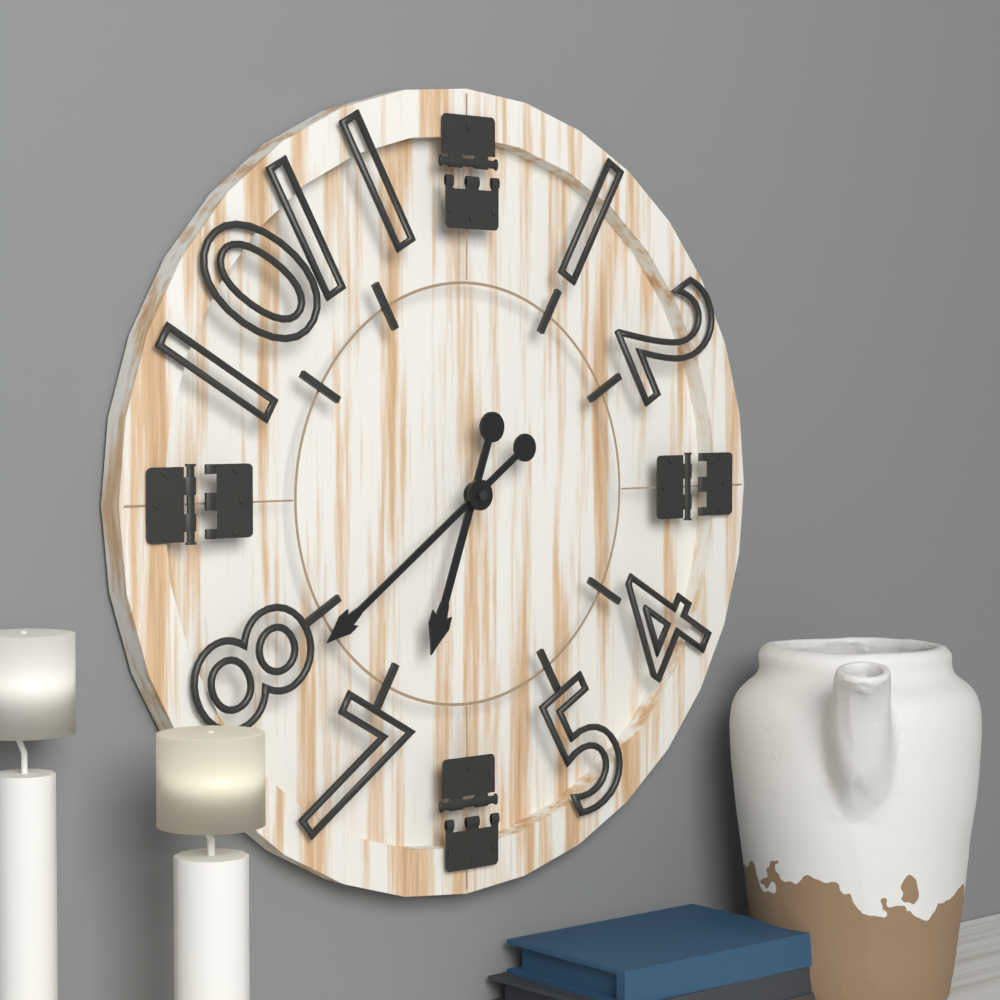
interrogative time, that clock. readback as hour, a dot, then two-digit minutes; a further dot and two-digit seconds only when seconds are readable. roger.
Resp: 6.39
